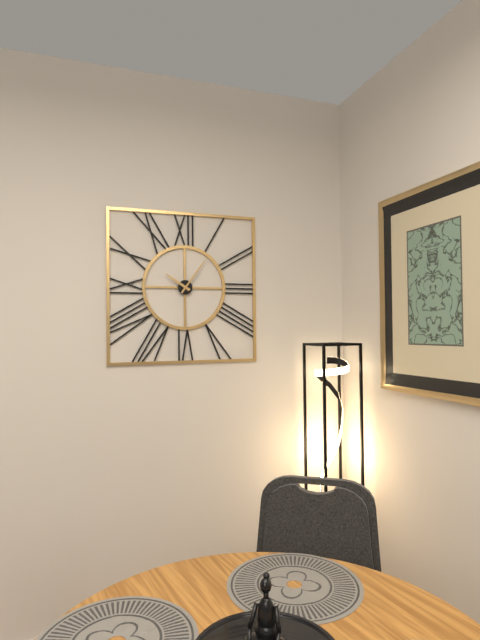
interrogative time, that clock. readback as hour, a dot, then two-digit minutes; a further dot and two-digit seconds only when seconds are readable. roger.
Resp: 10.06
